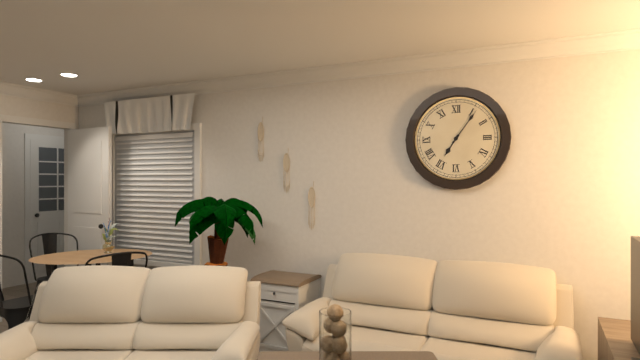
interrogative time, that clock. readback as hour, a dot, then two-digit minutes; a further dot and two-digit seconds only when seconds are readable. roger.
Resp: 7.06
